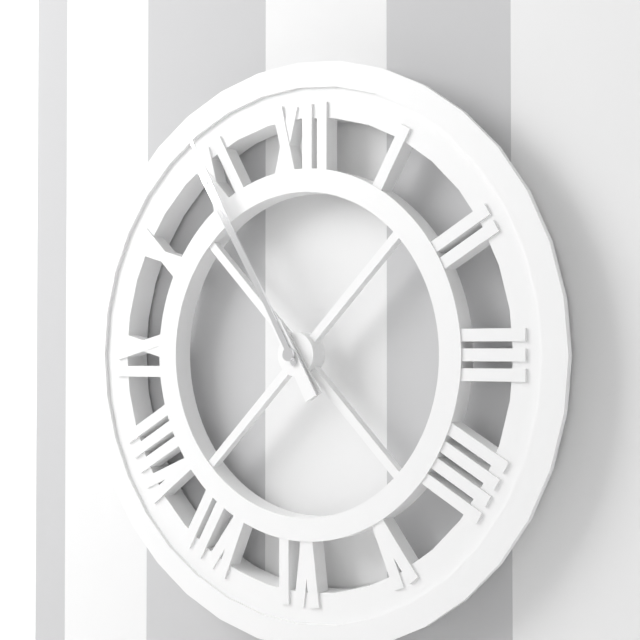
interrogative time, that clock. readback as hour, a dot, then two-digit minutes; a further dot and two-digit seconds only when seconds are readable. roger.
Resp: 10.55
